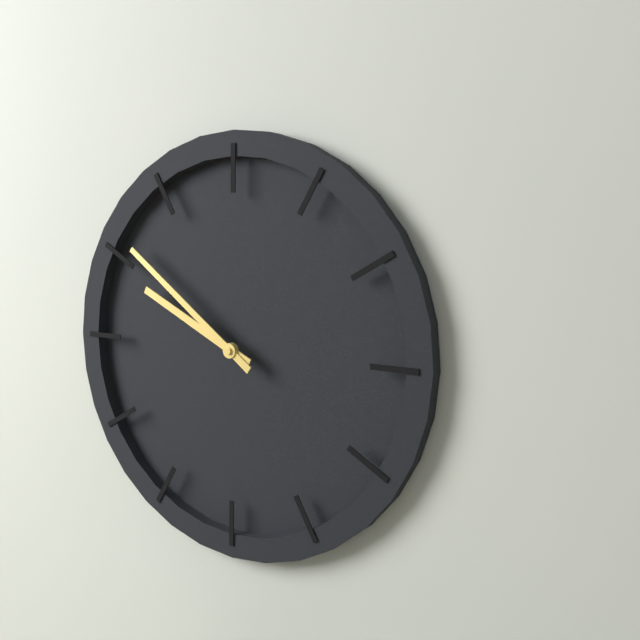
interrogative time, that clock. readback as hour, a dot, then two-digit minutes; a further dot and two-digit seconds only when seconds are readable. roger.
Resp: 9.51
